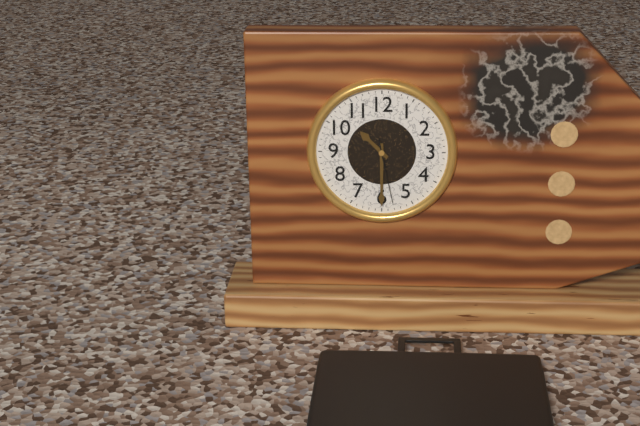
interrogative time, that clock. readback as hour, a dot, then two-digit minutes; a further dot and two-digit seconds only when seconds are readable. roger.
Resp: 10.30.28
